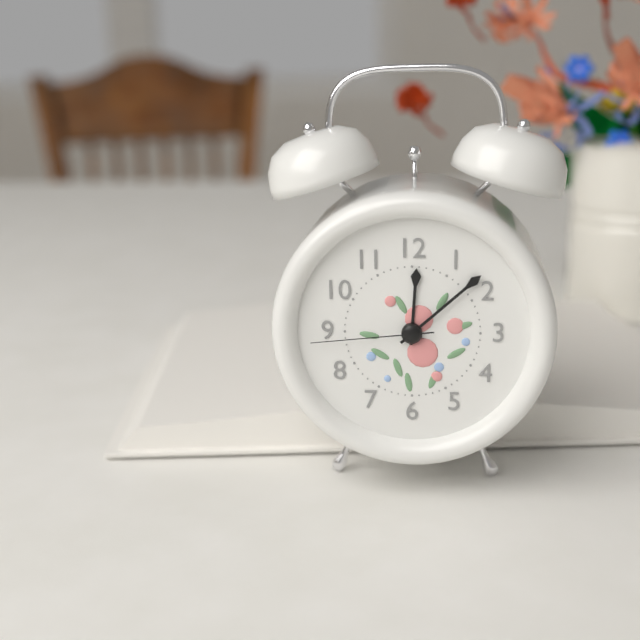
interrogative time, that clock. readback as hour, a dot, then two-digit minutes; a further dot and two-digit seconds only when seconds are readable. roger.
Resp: 12.08.44
